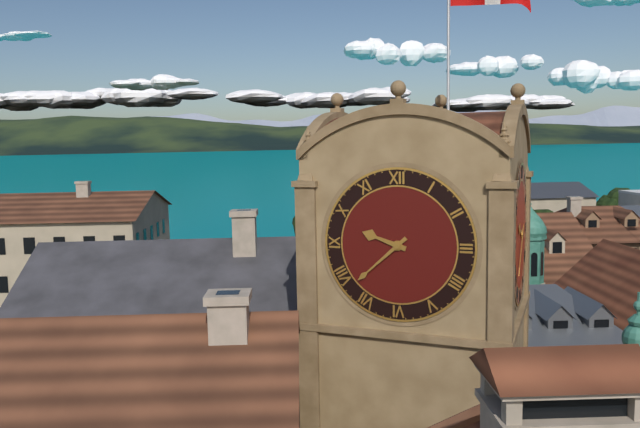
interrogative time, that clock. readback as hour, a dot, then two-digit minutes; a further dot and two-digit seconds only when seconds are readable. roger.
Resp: 9.38
